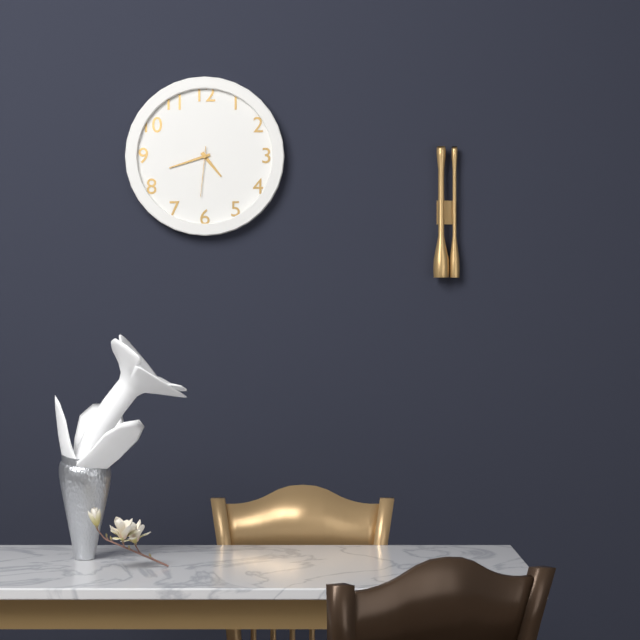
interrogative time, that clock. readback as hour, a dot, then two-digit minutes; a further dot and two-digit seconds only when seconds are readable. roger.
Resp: 4.42.31
